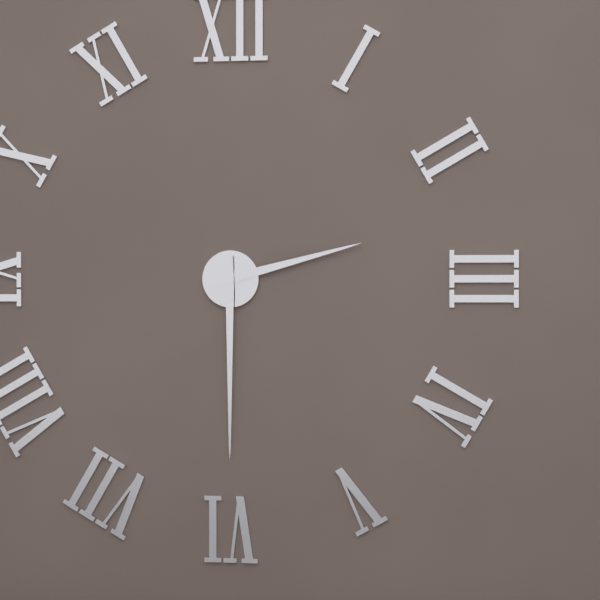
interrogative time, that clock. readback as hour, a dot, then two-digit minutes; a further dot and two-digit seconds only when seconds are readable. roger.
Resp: 2.30
